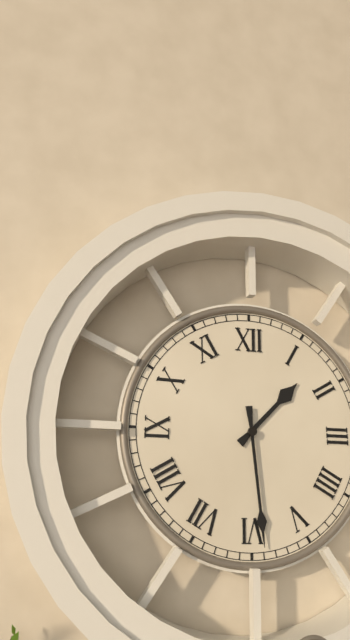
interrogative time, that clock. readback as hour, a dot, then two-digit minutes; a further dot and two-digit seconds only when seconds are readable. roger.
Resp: 1.29
